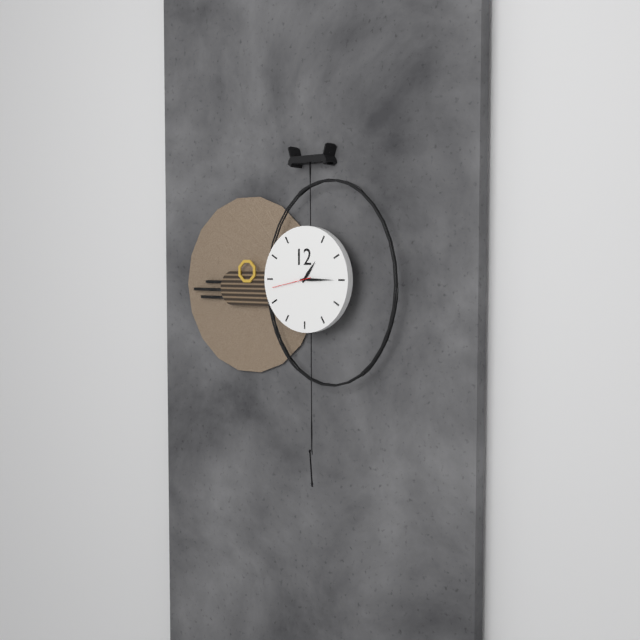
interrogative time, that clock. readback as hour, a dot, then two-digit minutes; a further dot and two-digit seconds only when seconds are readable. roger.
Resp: 1.15
